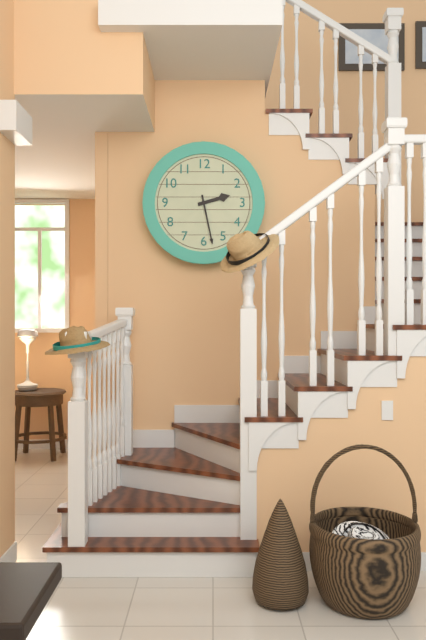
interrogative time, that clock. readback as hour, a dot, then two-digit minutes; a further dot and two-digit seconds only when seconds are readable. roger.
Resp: 2.28
